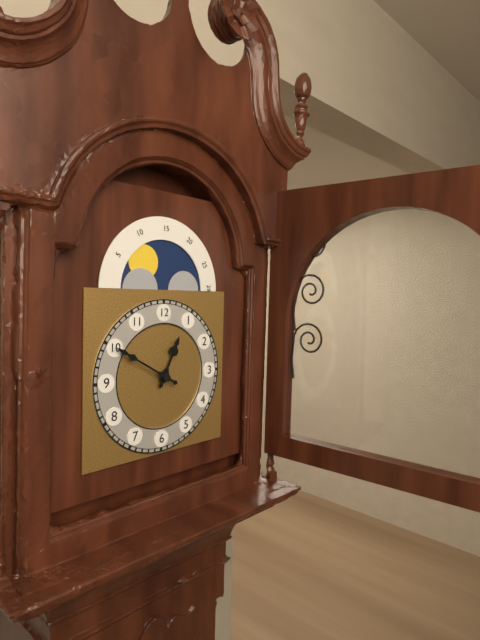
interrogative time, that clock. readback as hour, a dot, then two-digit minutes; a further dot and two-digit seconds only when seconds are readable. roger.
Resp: 12.50
